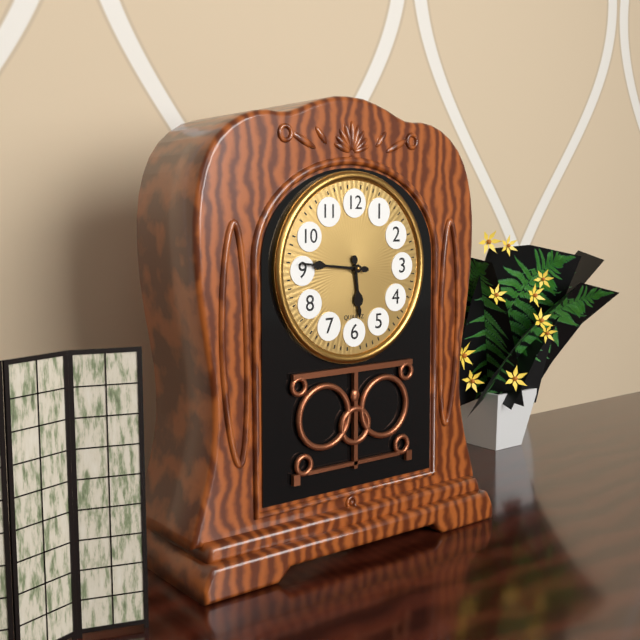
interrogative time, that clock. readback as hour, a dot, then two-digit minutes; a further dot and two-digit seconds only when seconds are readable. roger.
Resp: 5.46
